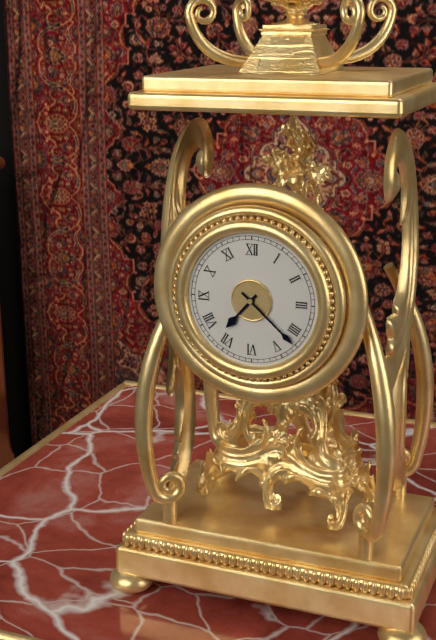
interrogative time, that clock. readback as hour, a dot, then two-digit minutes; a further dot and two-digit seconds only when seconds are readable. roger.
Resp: 7.22
